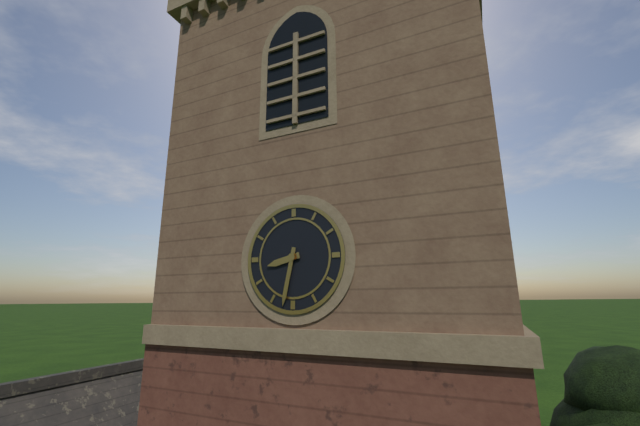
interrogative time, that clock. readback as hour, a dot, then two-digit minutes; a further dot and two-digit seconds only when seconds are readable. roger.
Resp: 8.32
